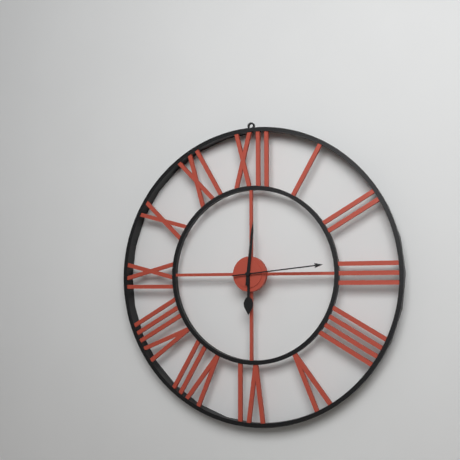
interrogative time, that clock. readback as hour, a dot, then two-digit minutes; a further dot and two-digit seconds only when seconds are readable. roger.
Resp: 6.01.14
